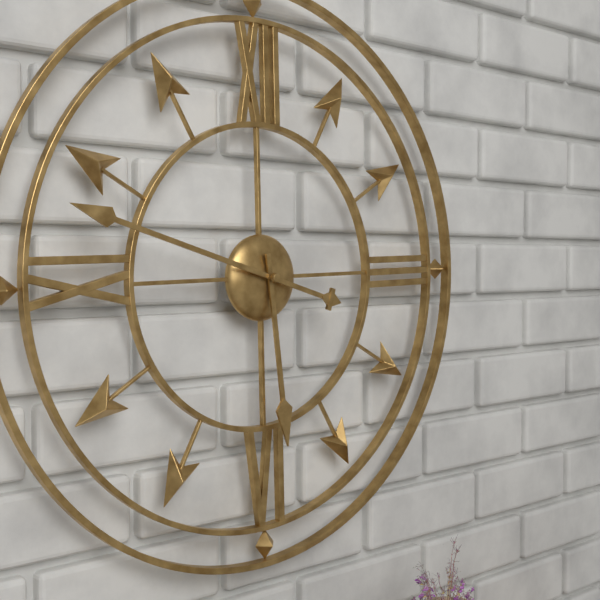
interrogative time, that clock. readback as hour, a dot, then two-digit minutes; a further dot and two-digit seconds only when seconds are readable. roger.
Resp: 5.48
